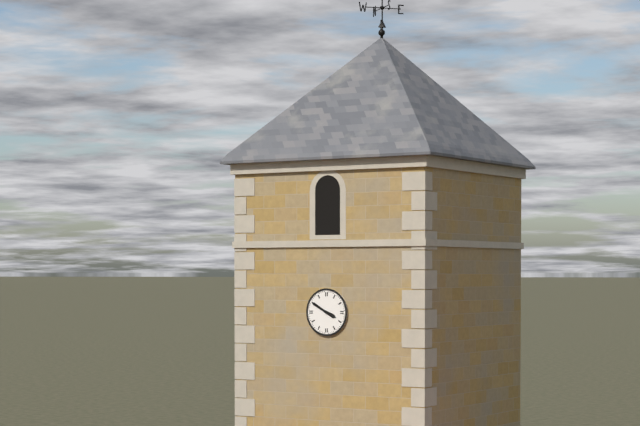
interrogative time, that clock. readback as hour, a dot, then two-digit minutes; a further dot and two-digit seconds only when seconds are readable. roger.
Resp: 3.50
